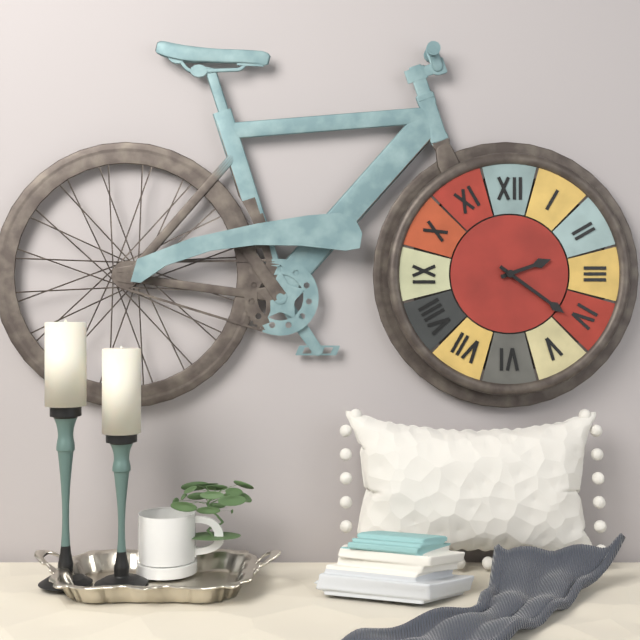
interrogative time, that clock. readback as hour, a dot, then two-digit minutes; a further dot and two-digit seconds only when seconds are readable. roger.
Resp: 2.21
